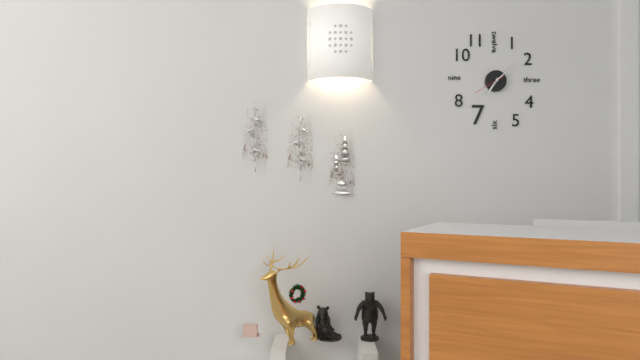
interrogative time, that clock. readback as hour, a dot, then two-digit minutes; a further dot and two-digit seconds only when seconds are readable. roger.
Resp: 7.08
